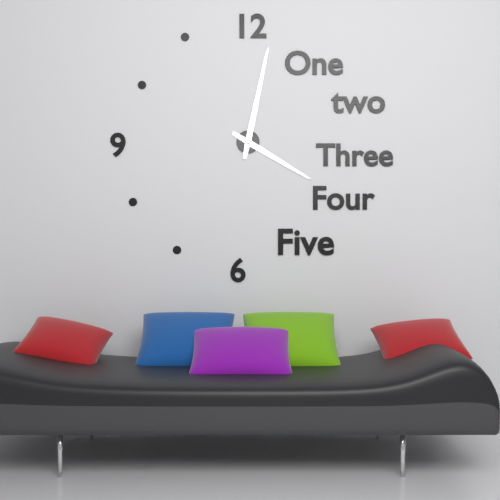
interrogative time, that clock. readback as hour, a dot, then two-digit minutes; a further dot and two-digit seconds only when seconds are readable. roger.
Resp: 4.02
